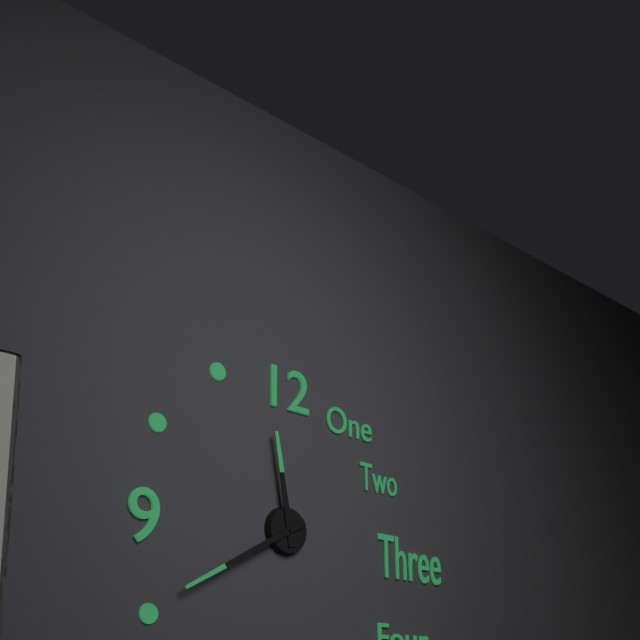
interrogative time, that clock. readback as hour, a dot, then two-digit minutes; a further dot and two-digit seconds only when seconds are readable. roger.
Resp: 11.40
